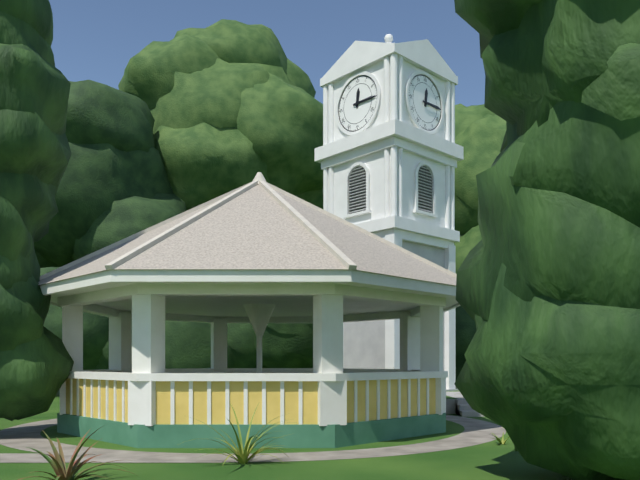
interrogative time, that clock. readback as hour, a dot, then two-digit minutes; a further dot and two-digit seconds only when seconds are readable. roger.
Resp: 12.15
